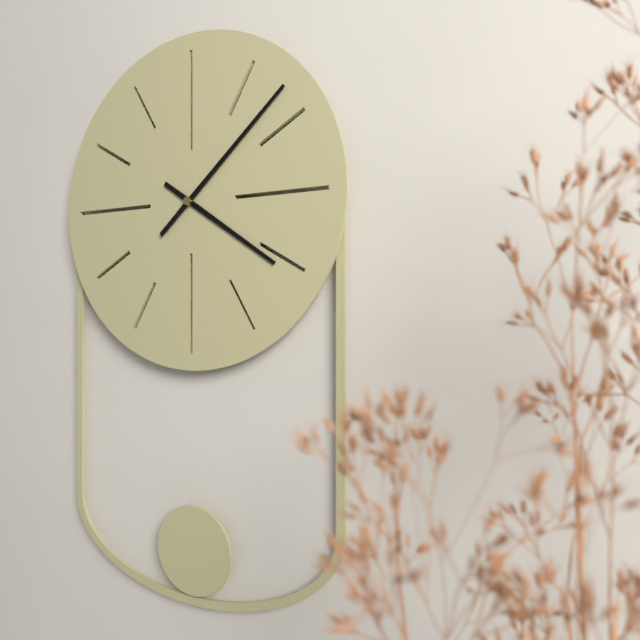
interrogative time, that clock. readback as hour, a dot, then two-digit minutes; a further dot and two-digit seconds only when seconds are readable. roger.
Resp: 4.08
